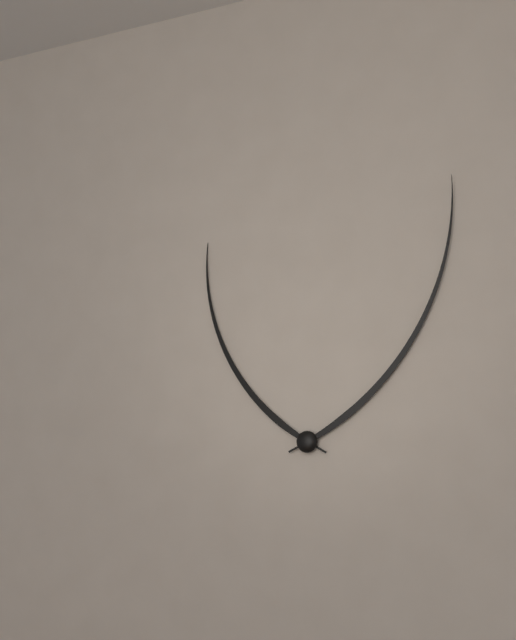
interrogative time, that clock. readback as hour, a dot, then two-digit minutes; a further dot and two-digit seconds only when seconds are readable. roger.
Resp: 11.05
